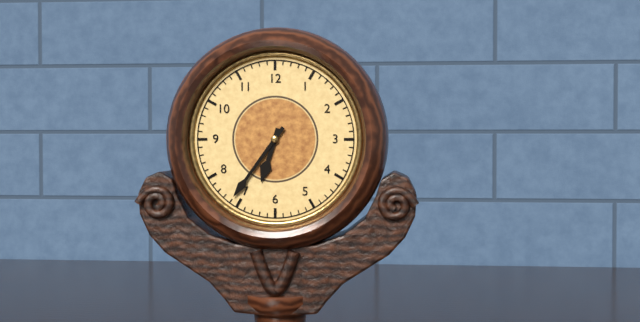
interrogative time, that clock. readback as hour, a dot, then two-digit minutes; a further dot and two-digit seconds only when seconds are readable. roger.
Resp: 6.36
